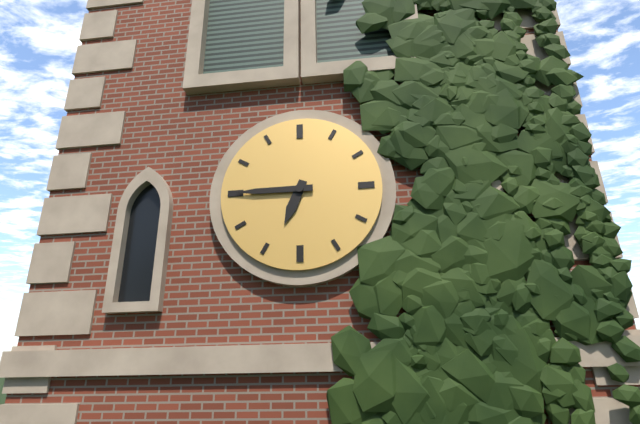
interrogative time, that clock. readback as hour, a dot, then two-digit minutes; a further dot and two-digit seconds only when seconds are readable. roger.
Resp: 6.45
